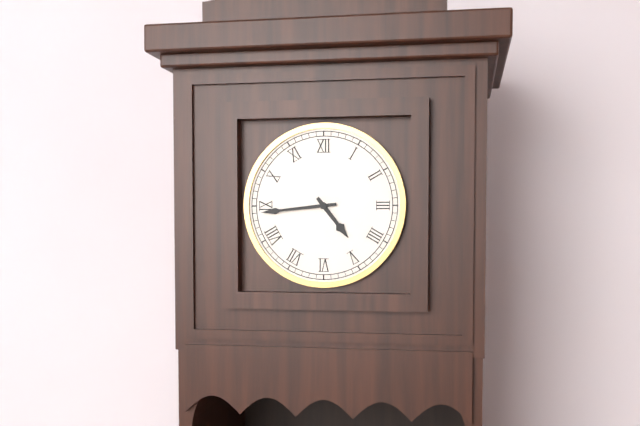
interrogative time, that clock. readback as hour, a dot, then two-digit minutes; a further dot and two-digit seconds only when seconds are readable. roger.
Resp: 4.44
